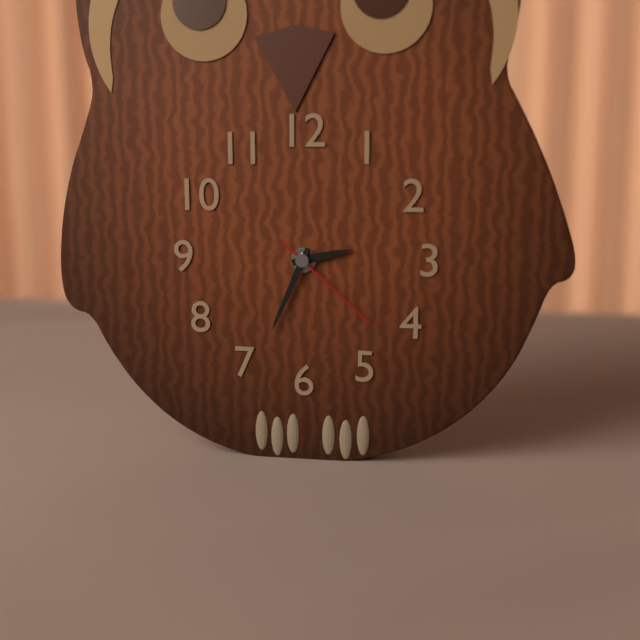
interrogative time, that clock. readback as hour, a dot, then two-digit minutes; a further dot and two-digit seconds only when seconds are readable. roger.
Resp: 2.34.22
